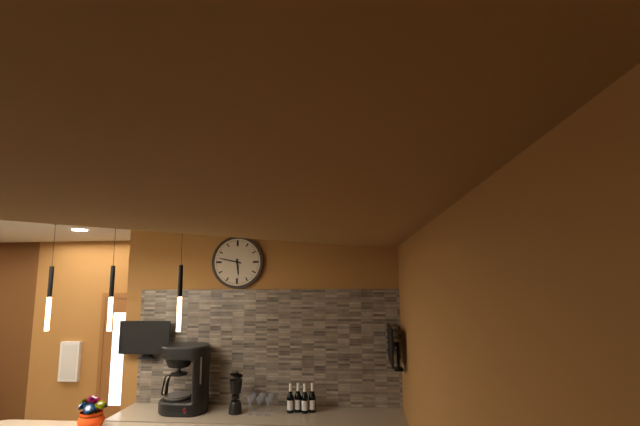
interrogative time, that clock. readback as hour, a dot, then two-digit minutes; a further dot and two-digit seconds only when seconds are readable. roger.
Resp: 5.47
